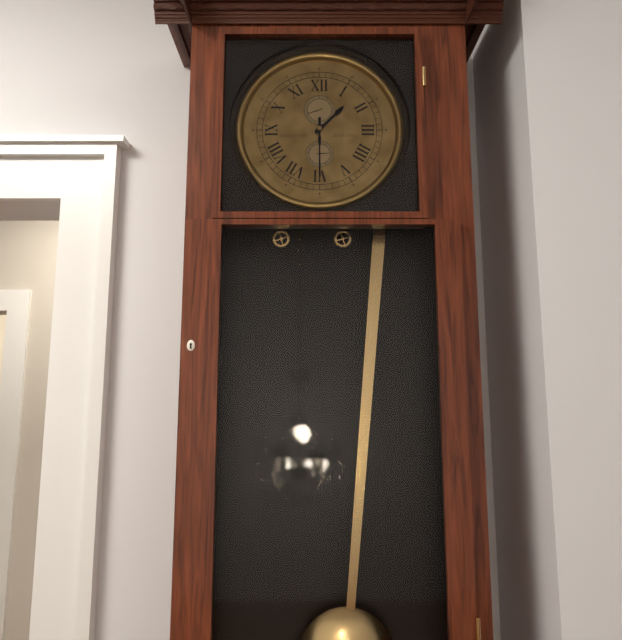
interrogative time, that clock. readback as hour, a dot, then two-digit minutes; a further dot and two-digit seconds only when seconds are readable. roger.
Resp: 1.30
